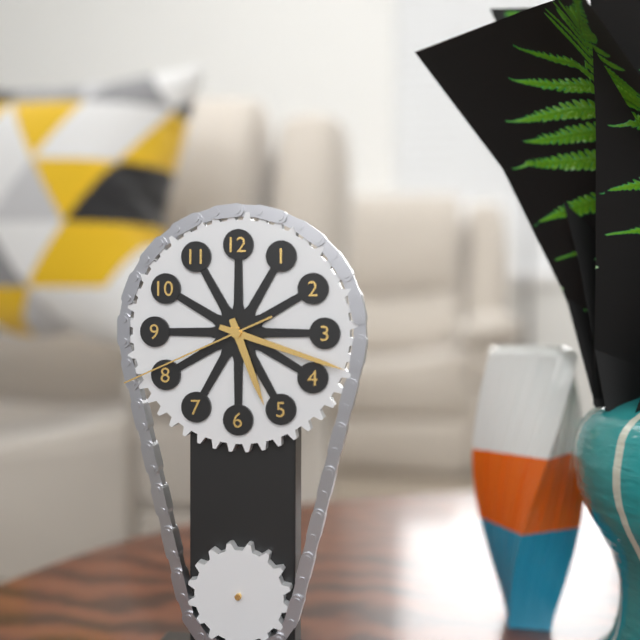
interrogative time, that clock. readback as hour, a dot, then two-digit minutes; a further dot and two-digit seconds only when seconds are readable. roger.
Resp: 5.18.41
